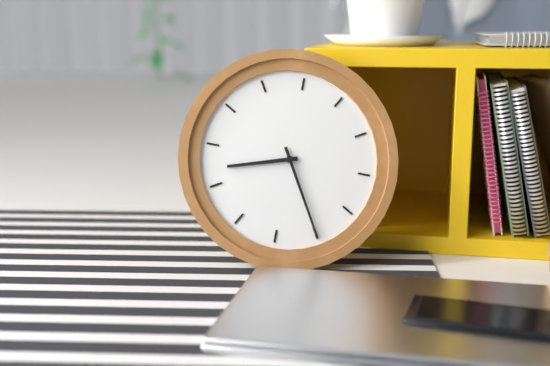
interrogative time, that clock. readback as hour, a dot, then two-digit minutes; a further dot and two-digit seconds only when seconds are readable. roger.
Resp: 8.25
